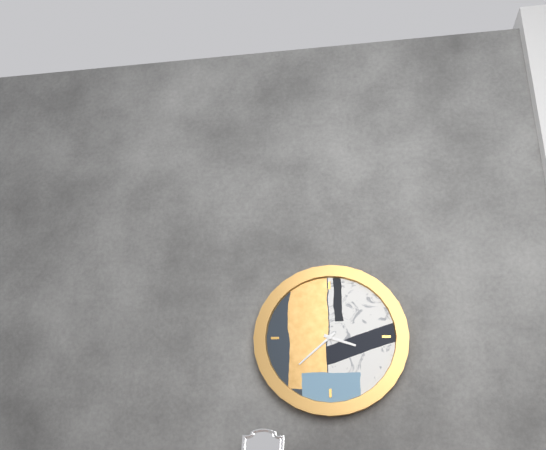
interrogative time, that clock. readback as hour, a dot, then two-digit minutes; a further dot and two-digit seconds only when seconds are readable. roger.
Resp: 3.38
